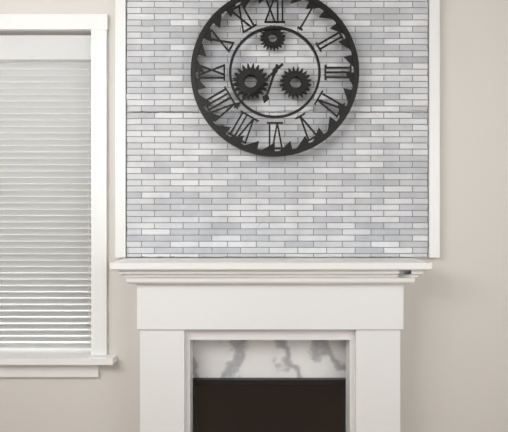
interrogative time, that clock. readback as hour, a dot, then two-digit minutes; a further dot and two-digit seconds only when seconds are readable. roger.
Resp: 6.38
